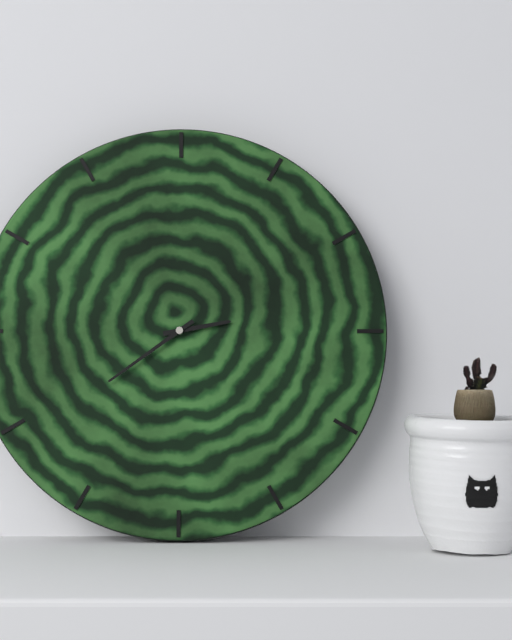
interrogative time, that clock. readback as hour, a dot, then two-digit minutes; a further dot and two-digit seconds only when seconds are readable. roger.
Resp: 2.39
